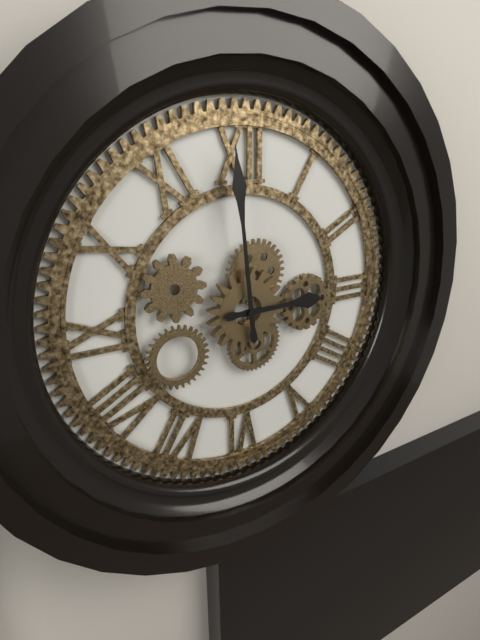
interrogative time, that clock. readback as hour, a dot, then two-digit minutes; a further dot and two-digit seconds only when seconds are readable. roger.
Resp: 2.59
